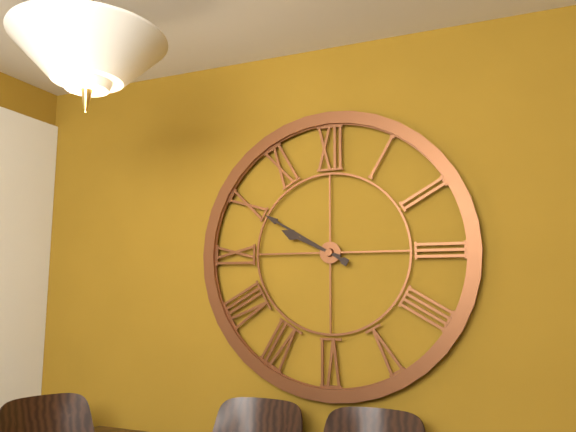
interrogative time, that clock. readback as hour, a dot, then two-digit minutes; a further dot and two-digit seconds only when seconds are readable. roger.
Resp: 9.50
